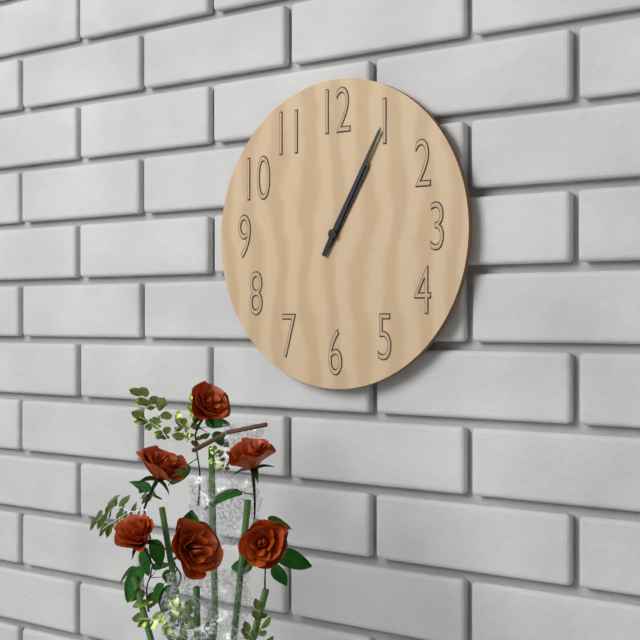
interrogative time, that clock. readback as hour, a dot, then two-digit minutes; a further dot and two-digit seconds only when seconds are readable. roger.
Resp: 1.05
